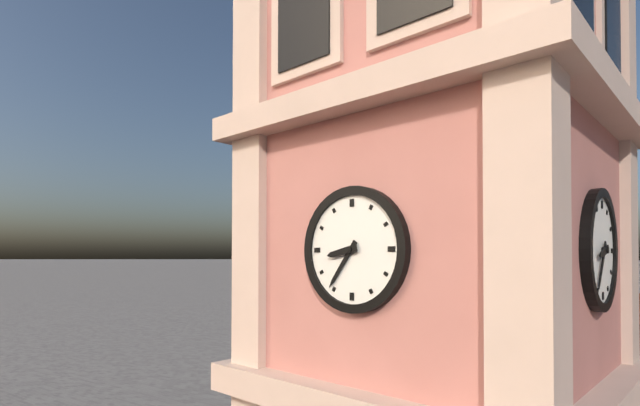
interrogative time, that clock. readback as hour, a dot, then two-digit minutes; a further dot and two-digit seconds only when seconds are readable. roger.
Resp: 8.36
